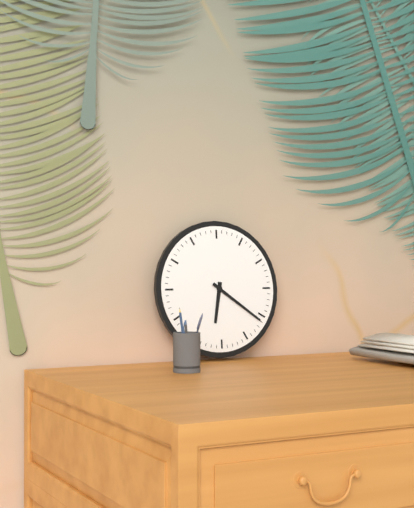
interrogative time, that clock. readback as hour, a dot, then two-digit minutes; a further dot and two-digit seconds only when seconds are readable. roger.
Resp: 6.21
